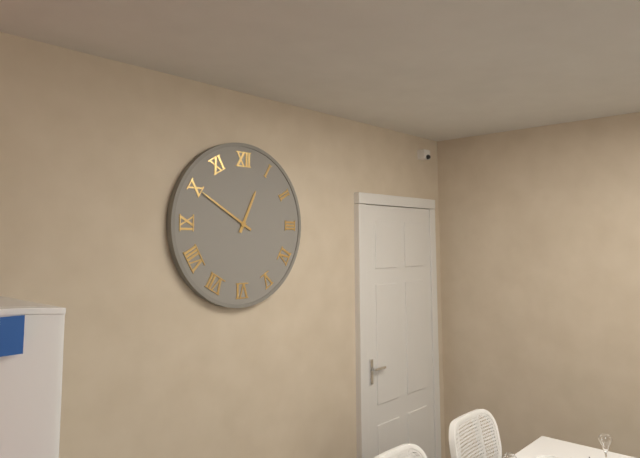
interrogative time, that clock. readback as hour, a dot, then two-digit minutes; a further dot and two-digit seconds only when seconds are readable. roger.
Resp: 12.50
